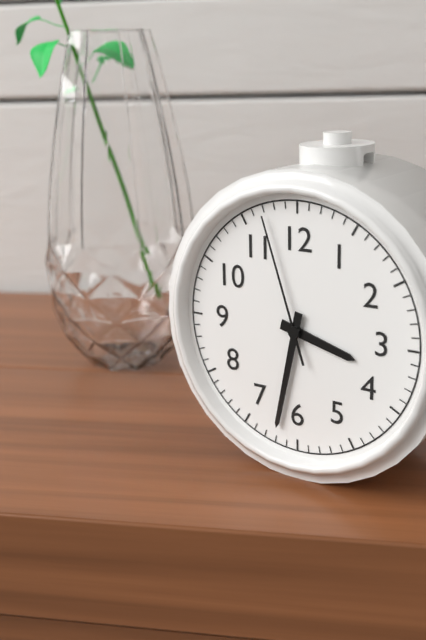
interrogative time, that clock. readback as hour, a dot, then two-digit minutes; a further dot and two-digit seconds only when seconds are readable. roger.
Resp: 3.32.57
